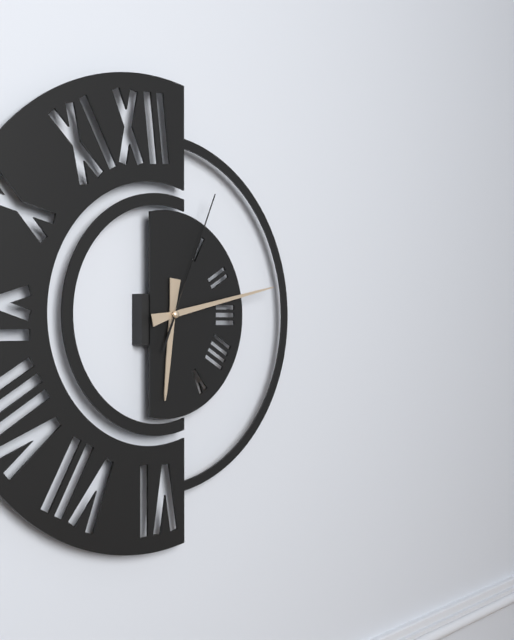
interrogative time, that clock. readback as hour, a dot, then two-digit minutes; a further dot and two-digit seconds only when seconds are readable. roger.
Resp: 6.13.04
